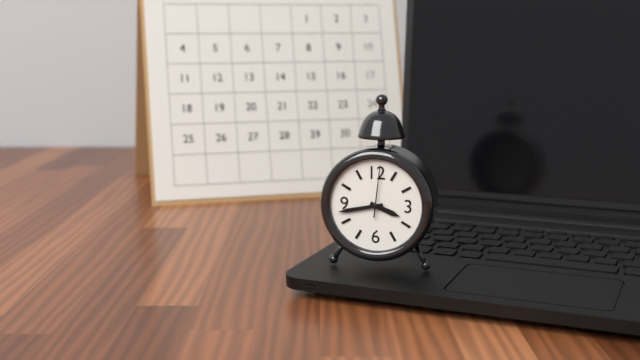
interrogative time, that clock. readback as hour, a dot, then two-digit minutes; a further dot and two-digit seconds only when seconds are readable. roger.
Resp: 3.43
